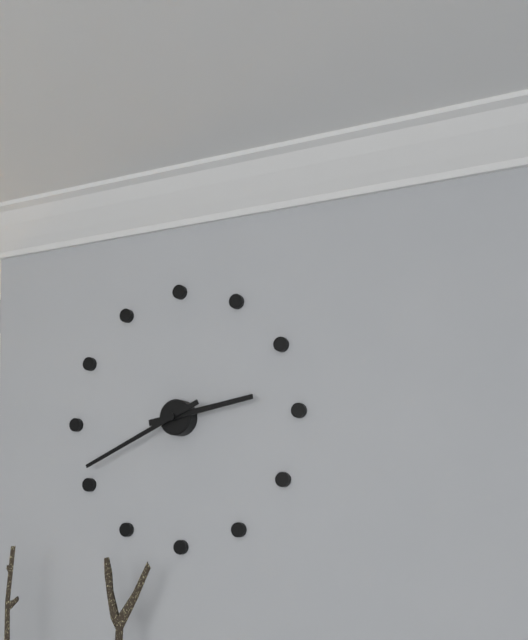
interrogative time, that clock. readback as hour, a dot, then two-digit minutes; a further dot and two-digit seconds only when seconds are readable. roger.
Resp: 2.41
